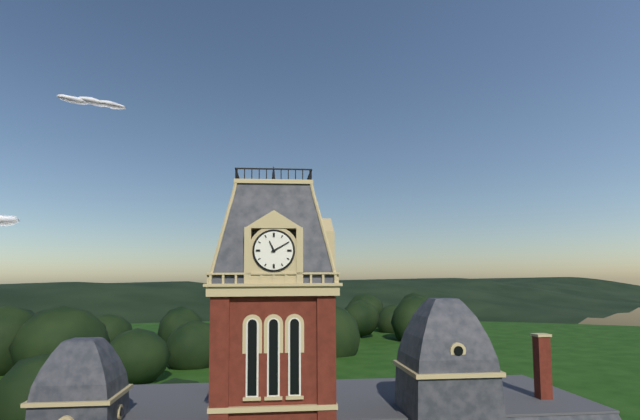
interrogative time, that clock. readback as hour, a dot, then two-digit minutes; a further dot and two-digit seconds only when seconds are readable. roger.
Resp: 11.10
